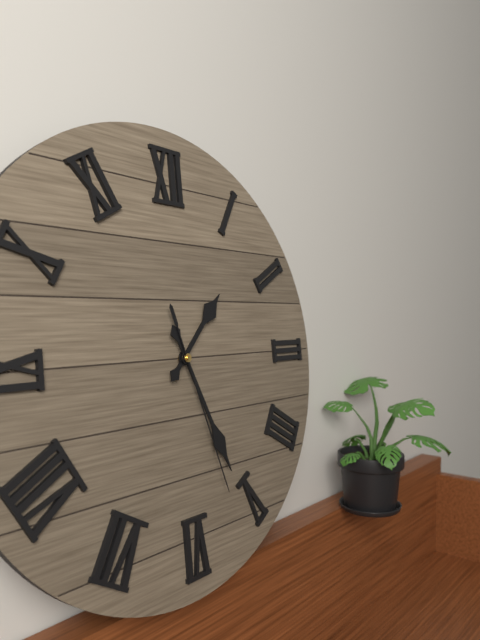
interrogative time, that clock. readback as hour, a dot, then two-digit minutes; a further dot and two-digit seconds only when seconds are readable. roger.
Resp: 1.26.27
